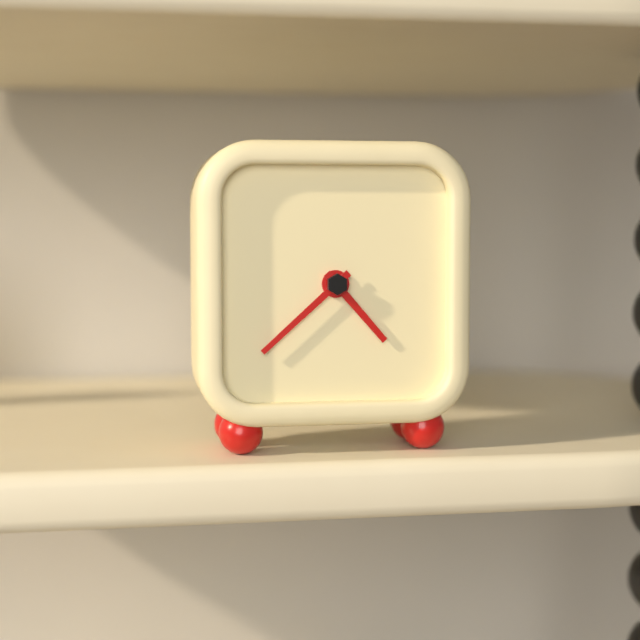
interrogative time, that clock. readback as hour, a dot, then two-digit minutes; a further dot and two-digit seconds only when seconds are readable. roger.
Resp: 4.38
